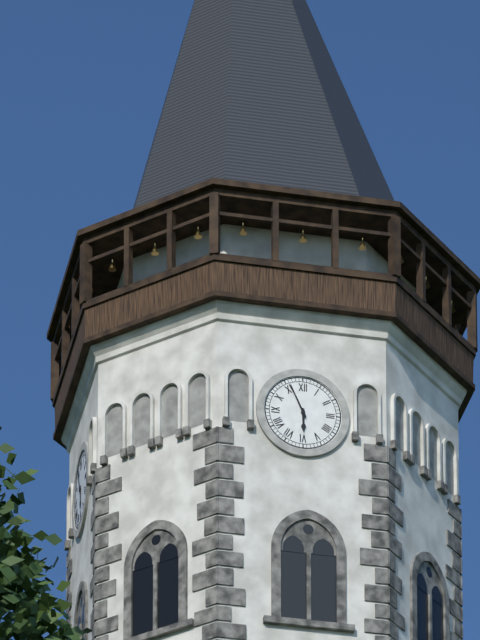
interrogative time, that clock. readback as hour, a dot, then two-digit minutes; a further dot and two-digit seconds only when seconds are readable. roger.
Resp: 5.56
